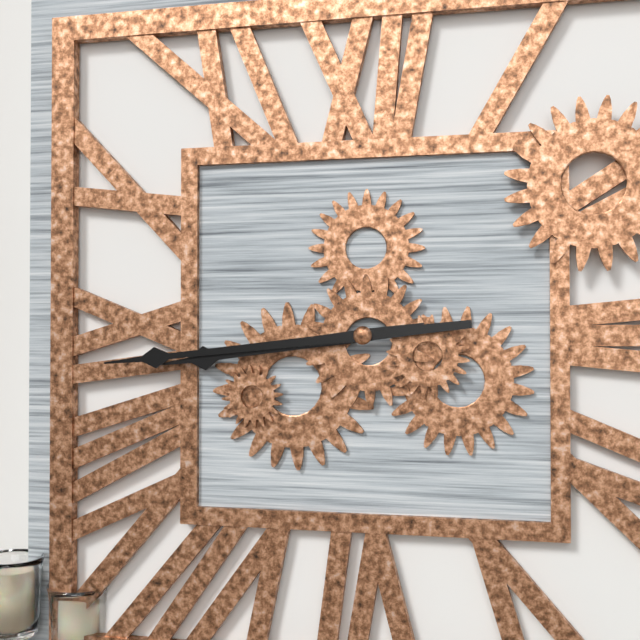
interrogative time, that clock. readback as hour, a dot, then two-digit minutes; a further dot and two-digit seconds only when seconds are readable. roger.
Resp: 8.44
